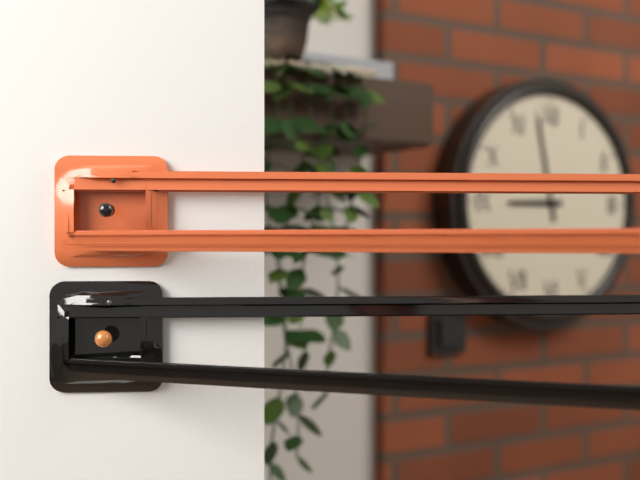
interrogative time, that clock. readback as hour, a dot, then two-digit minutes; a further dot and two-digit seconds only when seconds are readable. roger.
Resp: 8.58
